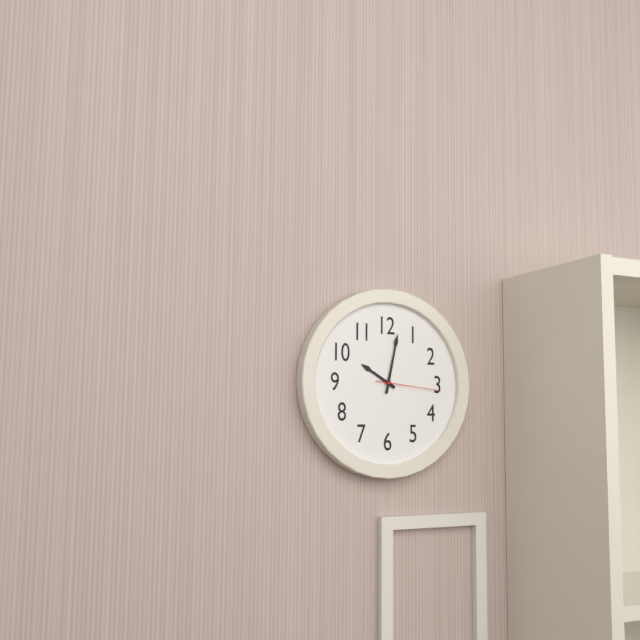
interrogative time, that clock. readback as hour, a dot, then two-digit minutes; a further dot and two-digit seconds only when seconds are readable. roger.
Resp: 10.02.16
